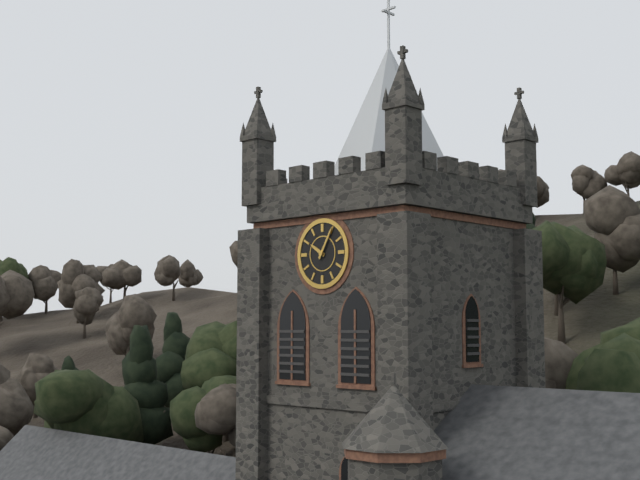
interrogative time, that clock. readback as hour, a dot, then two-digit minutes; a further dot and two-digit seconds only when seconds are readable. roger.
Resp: 10.05
